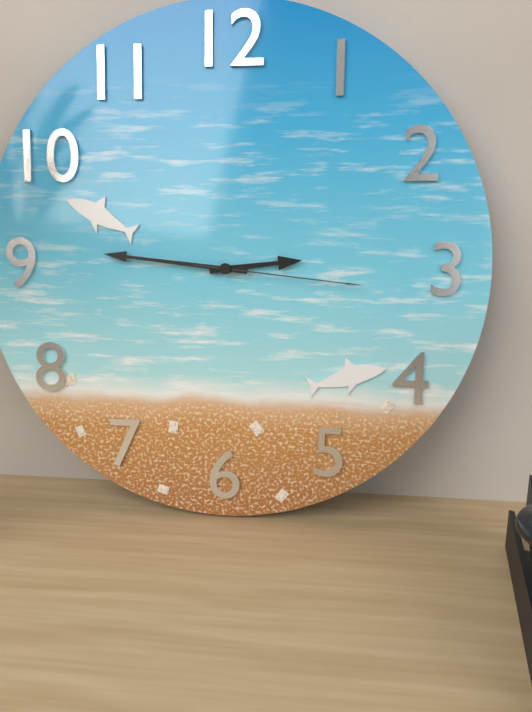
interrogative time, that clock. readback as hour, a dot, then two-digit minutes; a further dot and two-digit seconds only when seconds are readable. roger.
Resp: 2.46.16
